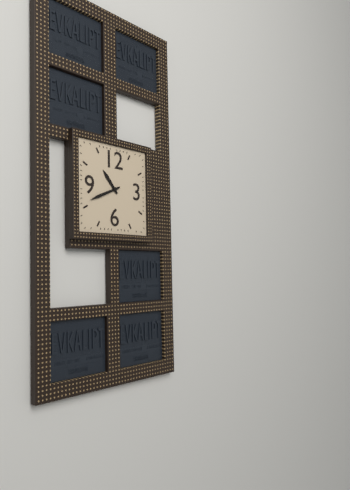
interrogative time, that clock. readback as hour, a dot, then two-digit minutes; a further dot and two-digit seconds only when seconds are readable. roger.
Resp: 10.41
